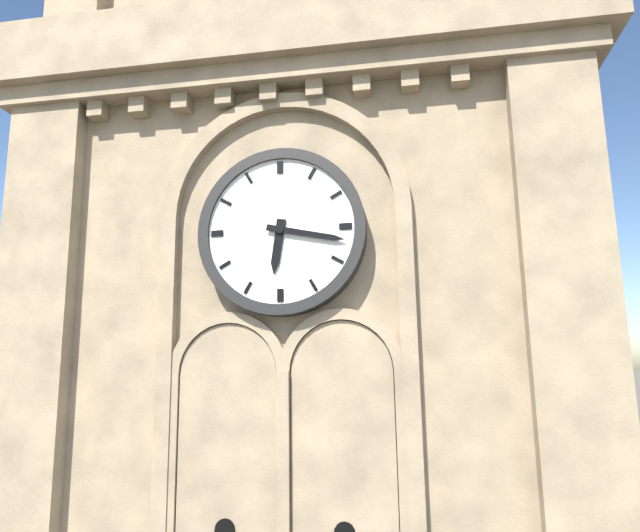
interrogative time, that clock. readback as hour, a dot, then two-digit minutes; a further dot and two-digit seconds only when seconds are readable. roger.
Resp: 6.17
